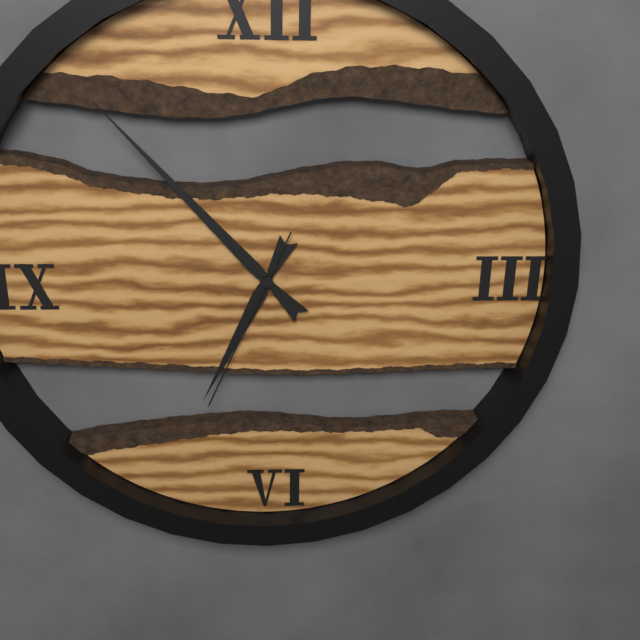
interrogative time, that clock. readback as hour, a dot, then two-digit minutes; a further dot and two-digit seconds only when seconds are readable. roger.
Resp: 6.53.34
